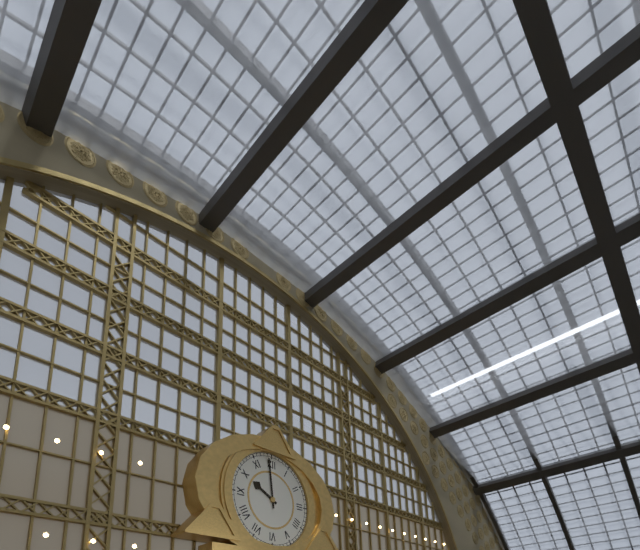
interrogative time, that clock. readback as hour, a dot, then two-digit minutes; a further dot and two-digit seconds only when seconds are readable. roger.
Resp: 9.59
